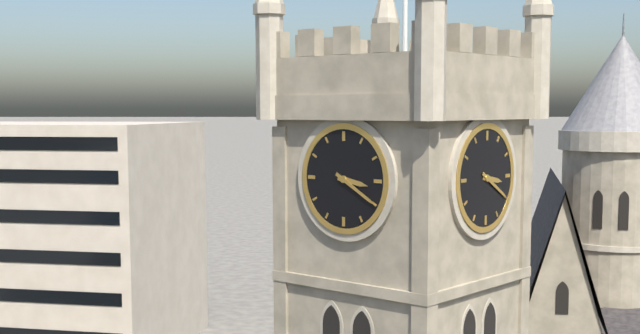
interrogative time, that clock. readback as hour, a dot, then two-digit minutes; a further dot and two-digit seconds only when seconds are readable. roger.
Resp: 3.20
